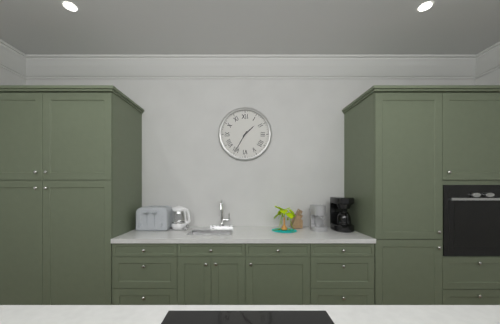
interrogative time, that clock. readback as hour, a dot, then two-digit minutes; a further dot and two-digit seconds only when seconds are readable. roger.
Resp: 1.35
